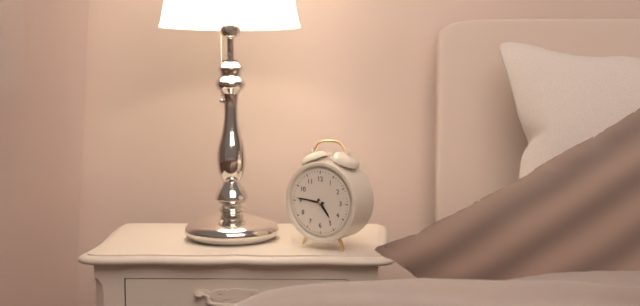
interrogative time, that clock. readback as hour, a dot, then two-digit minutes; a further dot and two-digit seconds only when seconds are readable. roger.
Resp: 4.46
